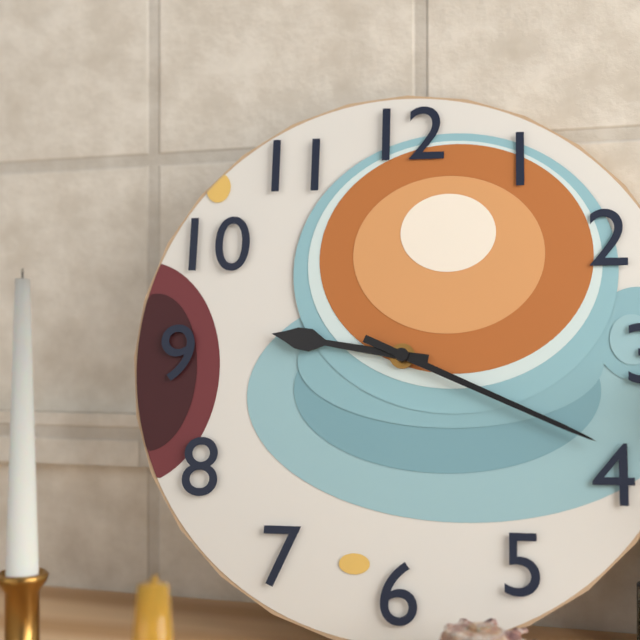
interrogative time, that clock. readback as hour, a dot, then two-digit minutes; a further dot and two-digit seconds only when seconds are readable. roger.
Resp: 9.19
